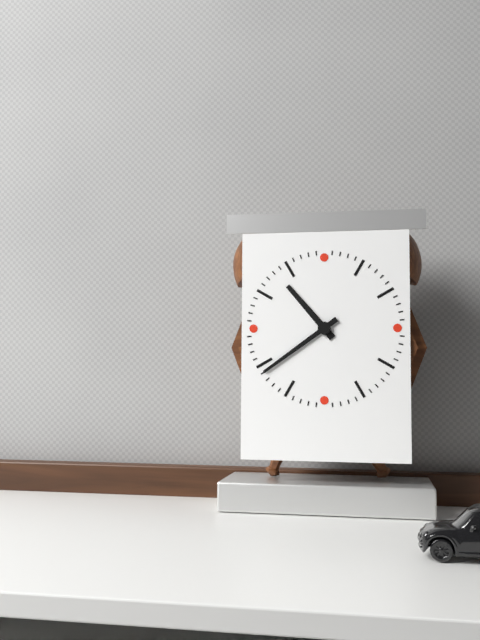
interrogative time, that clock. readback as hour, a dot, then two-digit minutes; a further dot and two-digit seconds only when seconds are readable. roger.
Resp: 10.39
